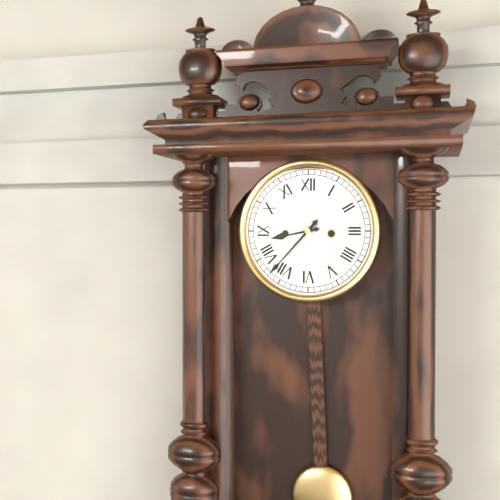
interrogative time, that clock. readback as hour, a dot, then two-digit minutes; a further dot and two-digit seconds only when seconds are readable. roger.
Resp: 8.37
